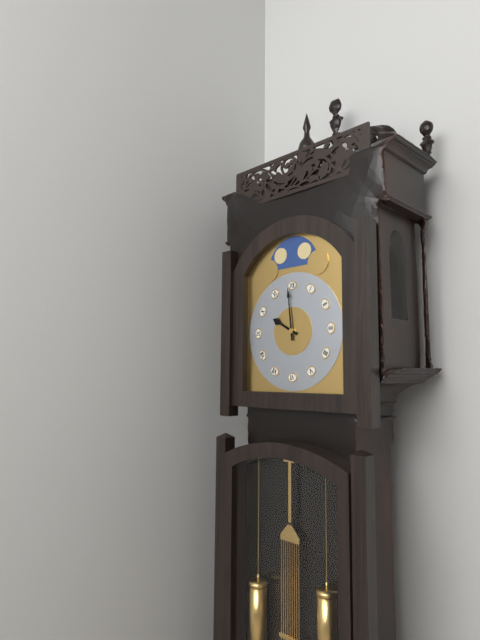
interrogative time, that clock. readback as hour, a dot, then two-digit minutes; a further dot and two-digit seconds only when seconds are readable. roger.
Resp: 9.59
